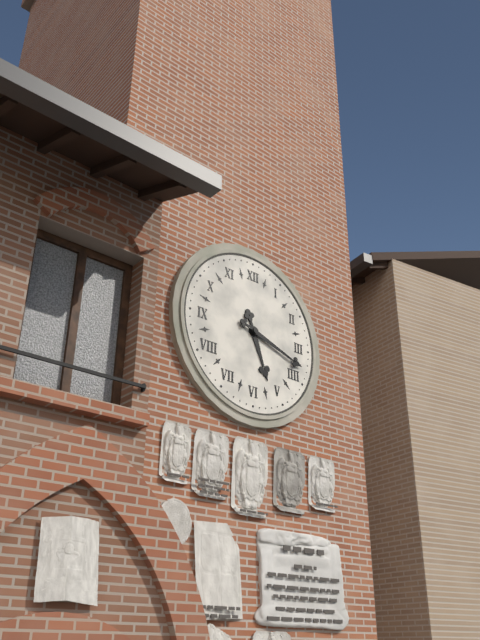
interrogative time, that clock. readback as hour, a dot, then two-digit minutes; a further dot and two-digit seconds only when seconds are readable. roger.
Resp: 5.18
